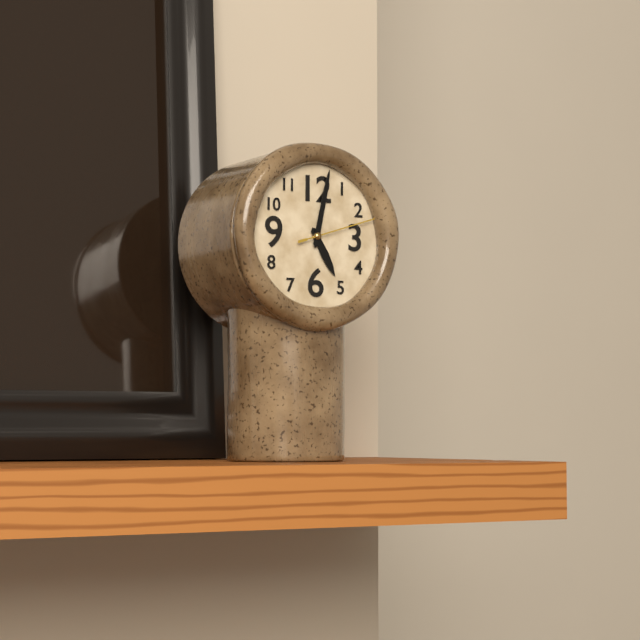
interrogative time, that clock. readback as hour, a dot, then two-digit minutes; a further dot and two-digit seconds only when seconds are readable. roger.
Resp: 5.02.12
